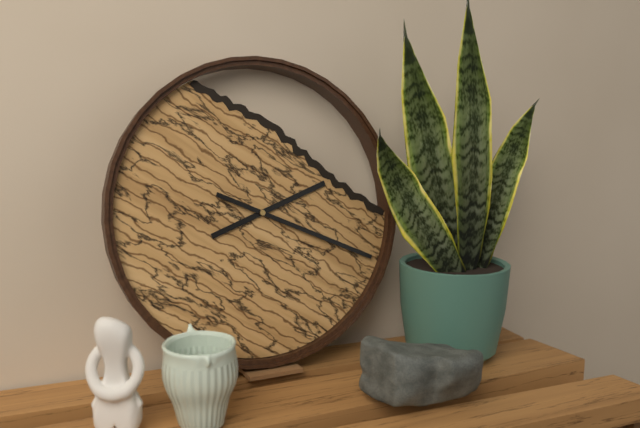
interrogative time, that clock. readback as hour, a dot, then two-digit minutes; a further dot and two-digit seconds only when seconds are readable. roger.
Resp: 2.19
